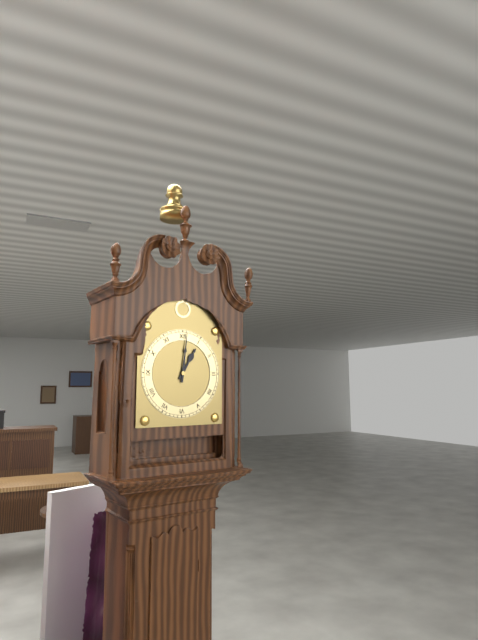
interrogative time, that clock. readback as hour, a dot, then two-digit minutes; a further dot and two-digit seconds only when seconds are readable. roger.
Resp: 1.01
